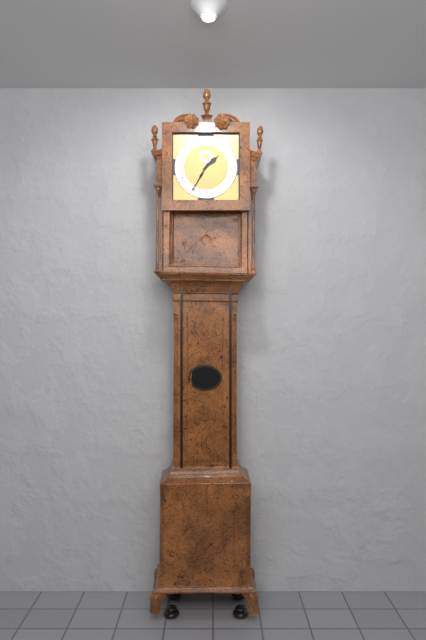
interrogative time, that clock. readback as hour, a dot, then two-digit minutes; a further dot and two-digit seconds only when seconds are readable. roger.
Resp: 1.35
